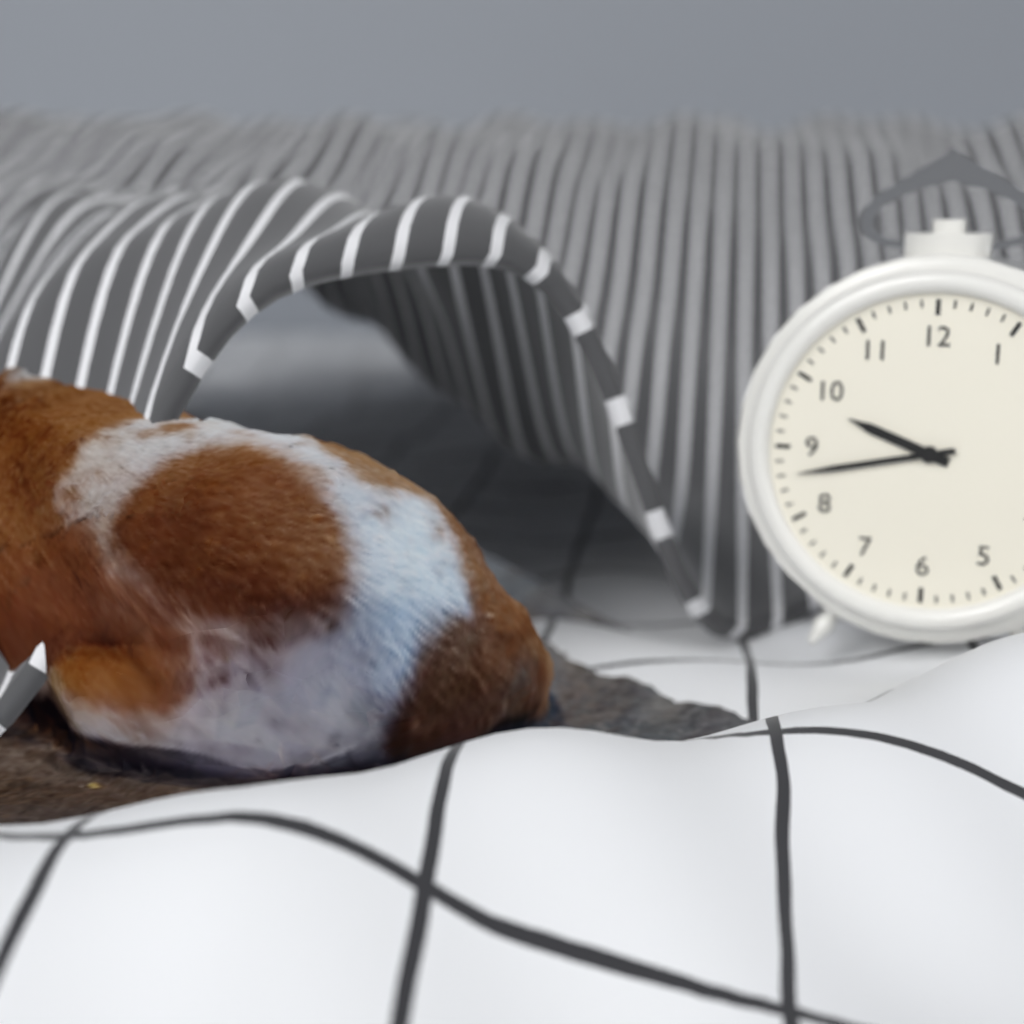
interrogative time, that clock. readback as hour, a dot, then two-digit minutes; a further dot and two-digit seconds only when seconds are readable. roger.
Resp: 9.43
